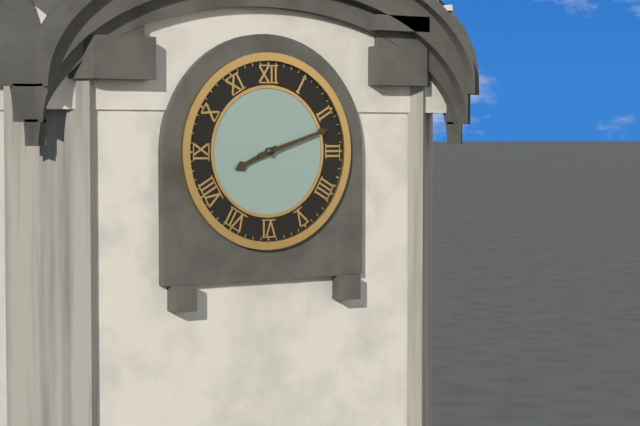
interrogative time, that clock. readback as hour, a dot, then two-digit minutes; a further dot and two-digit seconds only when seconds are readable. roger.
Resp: 8.12
